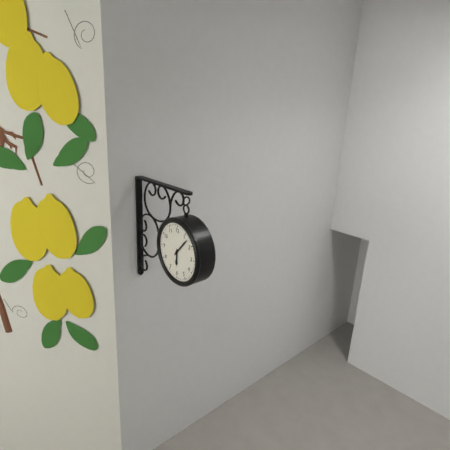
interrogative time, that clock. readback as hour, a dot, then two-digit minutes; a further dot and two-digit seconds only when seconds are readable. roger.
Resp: 6.07
